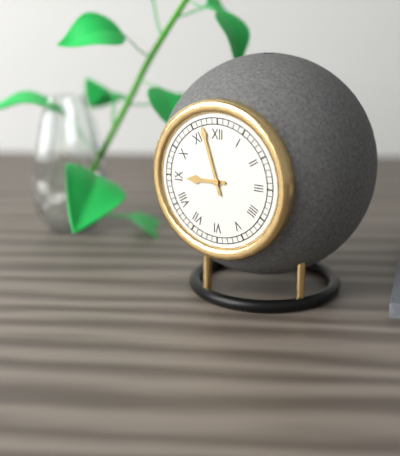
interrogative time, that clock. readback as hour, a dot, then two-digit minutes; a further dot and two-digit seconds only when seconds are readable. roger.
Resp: 8.57
